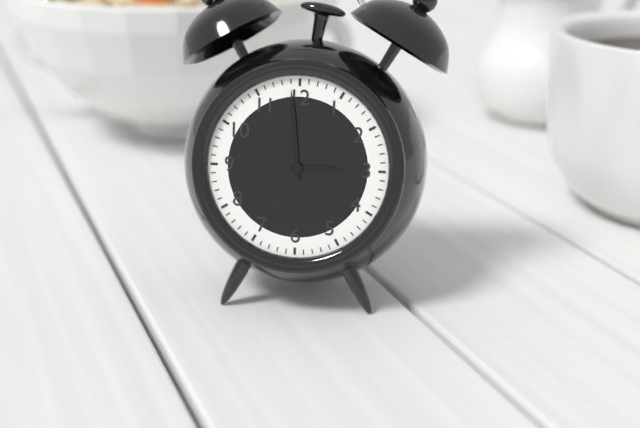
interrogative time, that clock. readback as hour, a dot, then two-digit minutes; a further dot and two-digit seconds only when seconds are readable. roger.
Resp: 2.59
